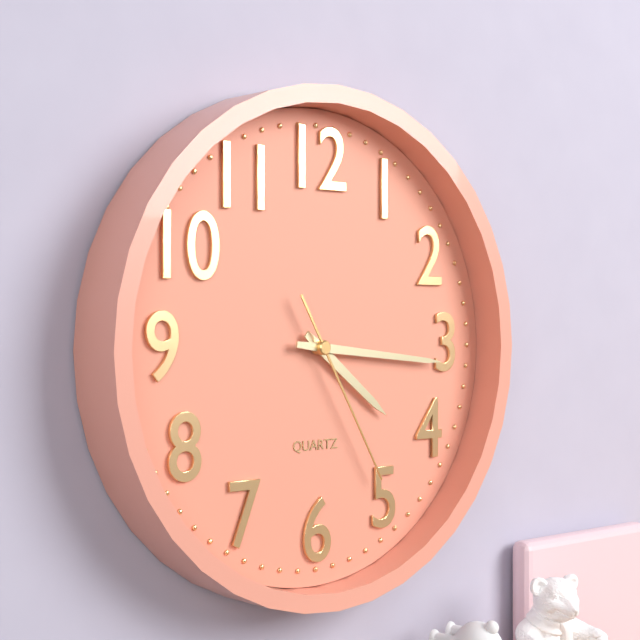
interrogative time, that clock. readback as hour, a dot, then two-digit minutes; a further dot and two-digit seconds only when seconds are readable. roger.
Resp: 4.16.25
